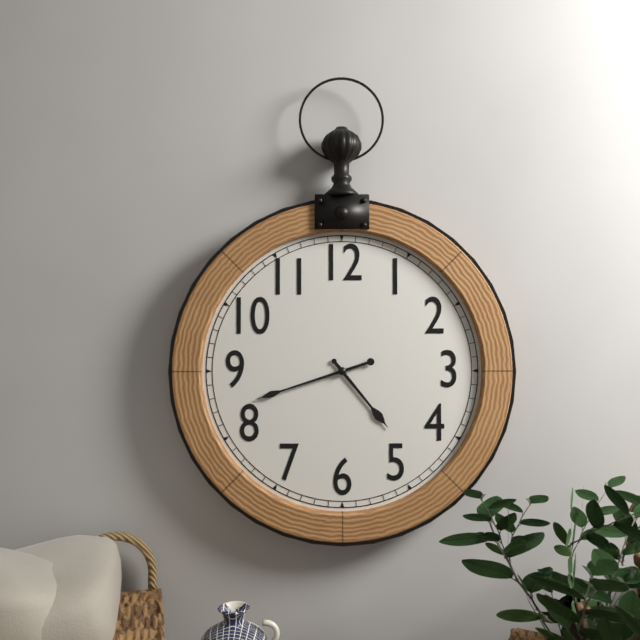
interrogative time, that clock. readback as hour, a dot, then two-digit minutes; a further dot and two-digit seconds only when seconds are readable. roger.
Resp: 4.42
